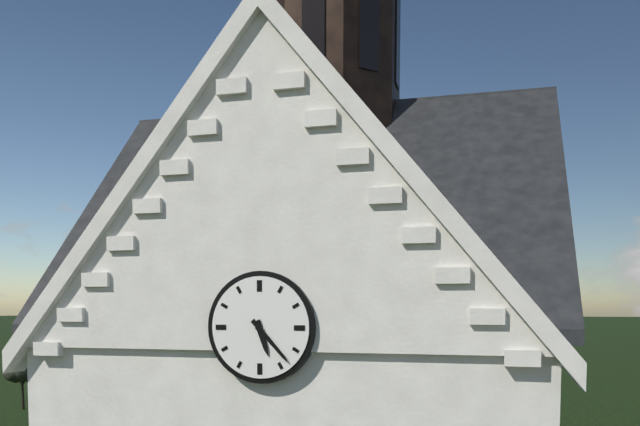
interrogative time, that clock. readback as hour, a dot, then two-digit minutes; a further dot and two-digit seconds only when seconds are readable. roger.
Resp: 5.23
